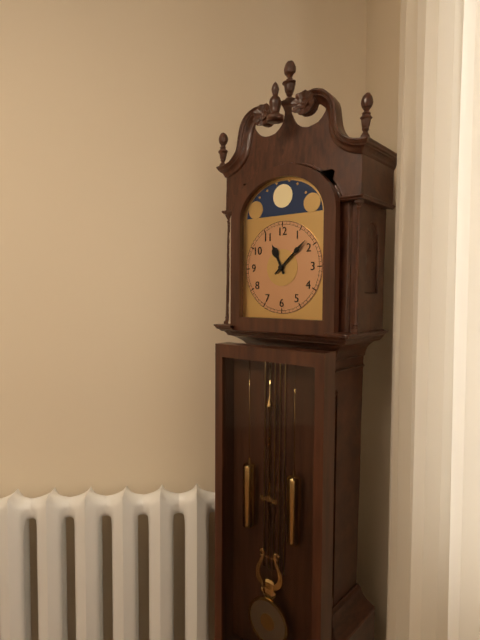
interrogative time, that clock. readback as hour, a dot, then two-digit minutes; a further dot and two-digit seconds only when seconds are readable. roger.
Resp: 11.08
